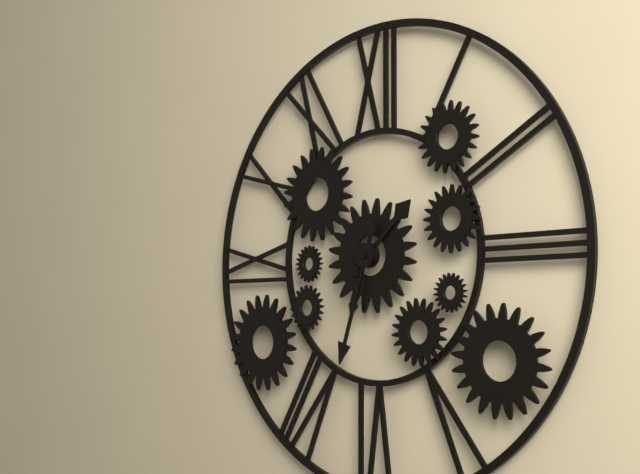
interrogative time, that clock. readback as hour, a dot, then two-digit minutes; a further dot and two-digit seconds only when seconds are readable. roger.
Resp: 1.33
